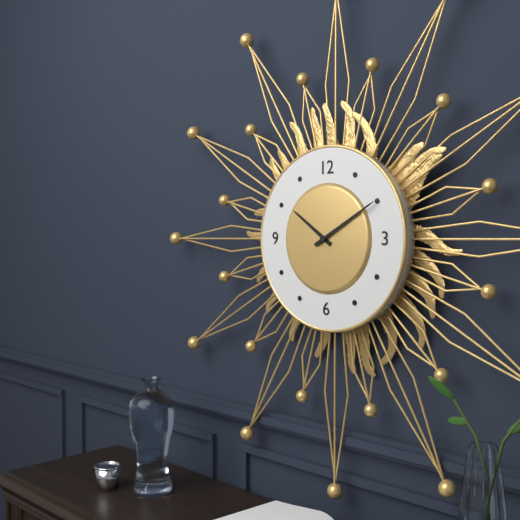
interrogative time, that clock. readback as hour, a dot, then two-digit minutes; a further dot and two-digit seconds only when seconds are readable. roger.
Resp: 10.10
